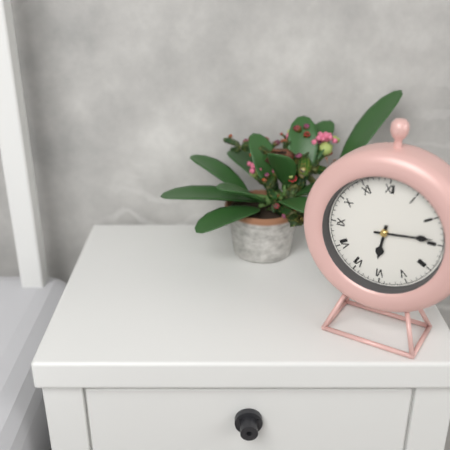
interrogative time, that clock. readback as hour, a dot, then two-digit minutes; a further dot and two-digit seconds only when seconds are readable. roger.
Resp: 6.14
